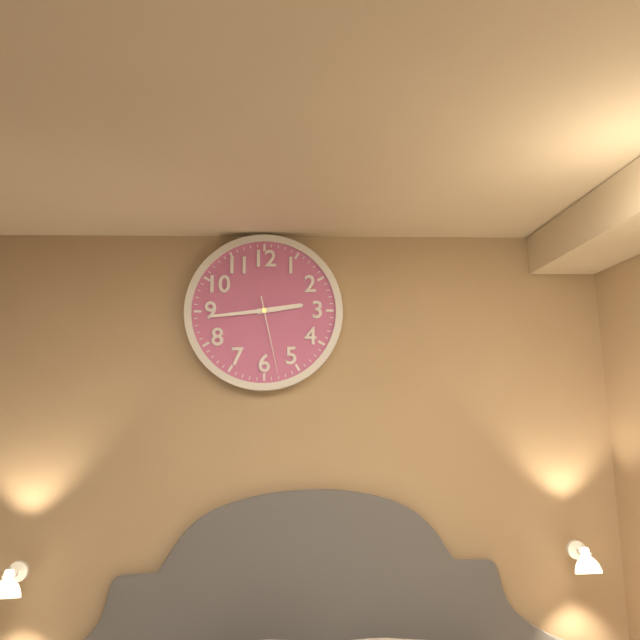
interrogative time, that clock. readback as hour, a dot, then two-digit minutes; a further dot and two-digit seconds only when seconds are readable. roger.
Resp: 2.44.28
